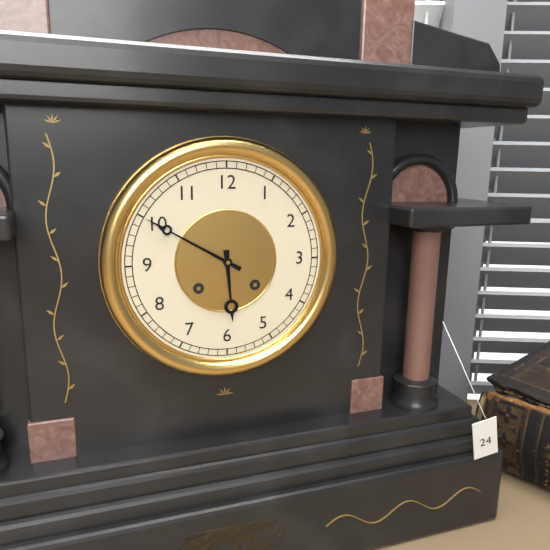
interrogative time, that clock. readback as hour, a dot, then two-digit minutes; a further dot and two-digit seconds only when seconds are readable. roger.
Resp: 5.50
